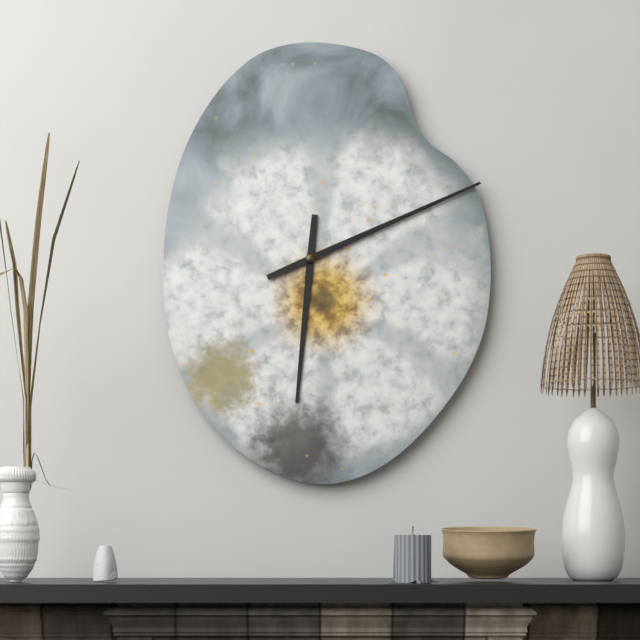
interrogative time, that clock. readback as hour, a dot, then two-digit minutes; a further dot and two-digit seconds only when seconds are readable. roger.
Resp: 6.11
